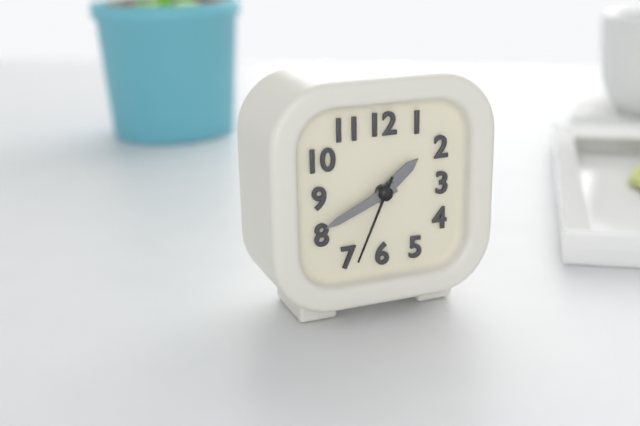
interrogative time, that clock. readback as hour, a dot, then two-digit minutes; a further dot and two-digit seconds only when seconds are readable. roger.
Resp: 1.41.34
